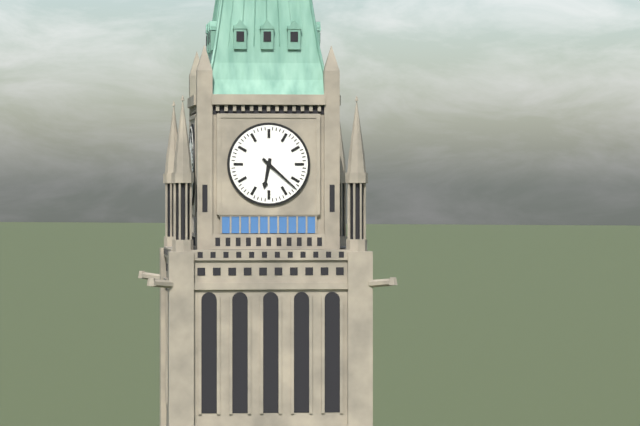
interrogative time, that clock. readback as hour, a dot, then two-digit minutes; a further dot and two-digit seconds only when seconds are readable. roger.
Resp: 6.22
